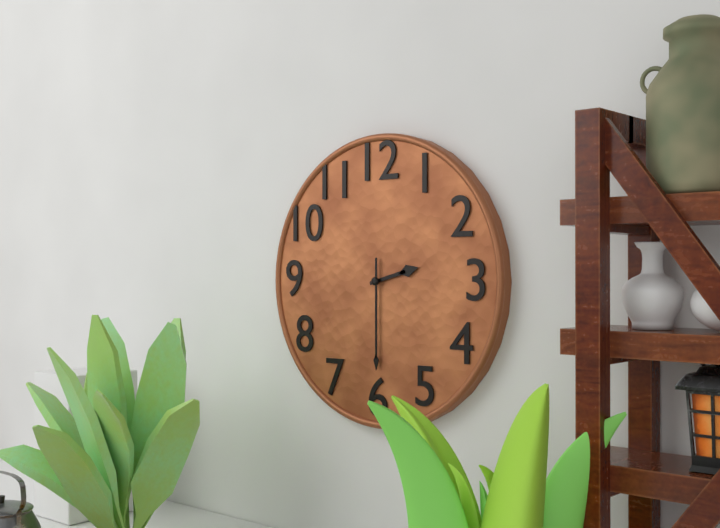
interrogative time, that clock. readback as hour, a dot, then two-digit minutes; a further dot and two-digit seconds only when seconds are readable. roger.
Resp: 2.30
